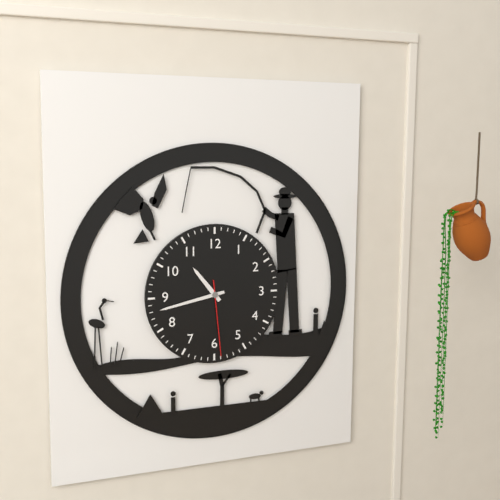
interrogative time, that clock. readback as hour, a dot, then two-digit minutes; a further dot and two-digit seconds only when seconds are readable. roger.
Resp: 10.43.29
